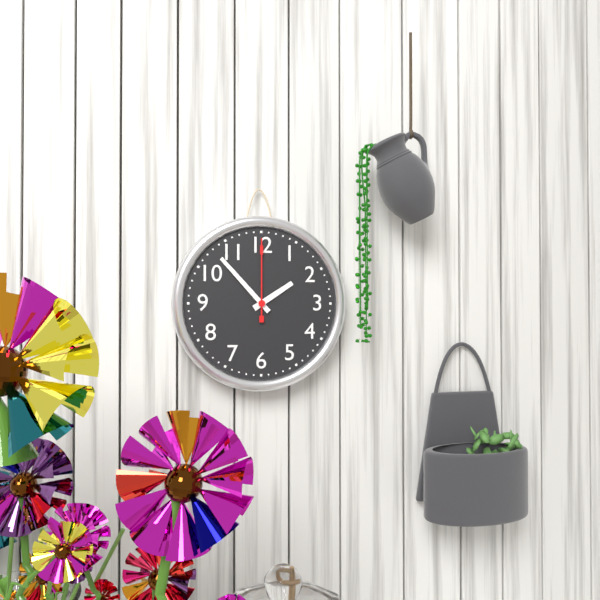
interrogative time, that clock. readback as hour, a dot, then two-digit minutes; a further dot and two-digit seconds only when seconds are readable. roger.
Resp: 1.53.00
